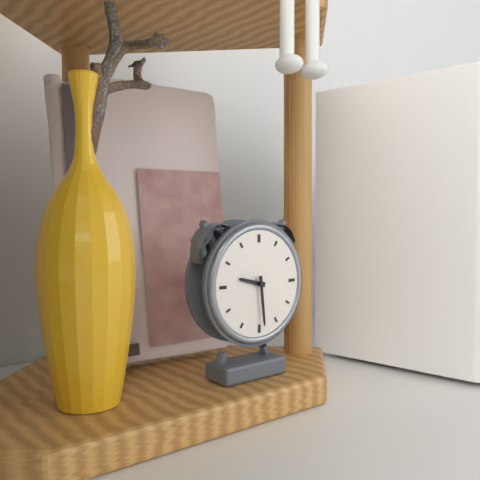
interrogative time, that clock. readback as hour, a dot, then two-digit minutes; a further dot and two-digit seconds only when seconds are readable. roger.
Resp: 9.29
